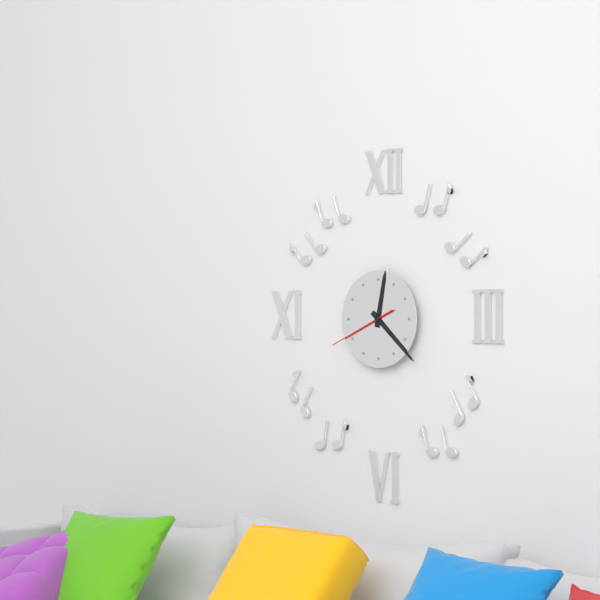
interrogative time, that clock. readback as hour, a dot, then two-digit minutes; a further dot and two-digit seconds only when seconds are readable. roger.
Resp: 12.22.41
